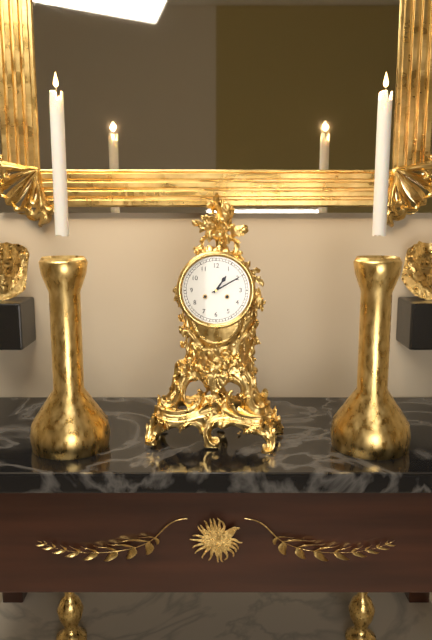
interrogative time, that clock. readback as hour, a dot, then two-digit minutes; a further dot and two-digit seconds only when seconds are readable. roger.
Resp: 1.10
